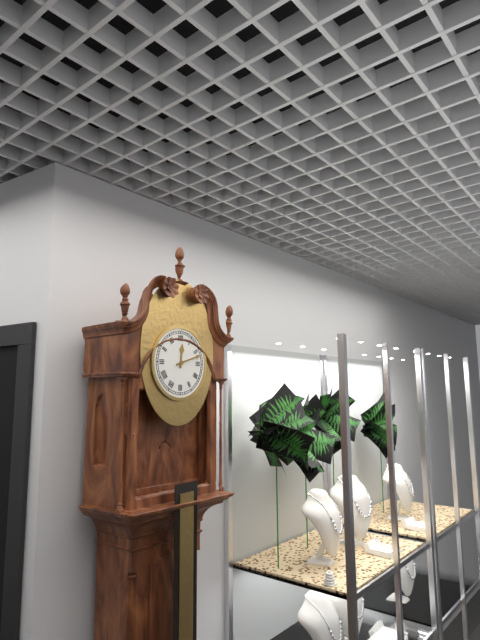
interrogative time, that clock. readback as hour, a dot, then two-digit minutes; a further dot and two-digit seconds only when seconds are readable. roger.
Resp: 12.12
